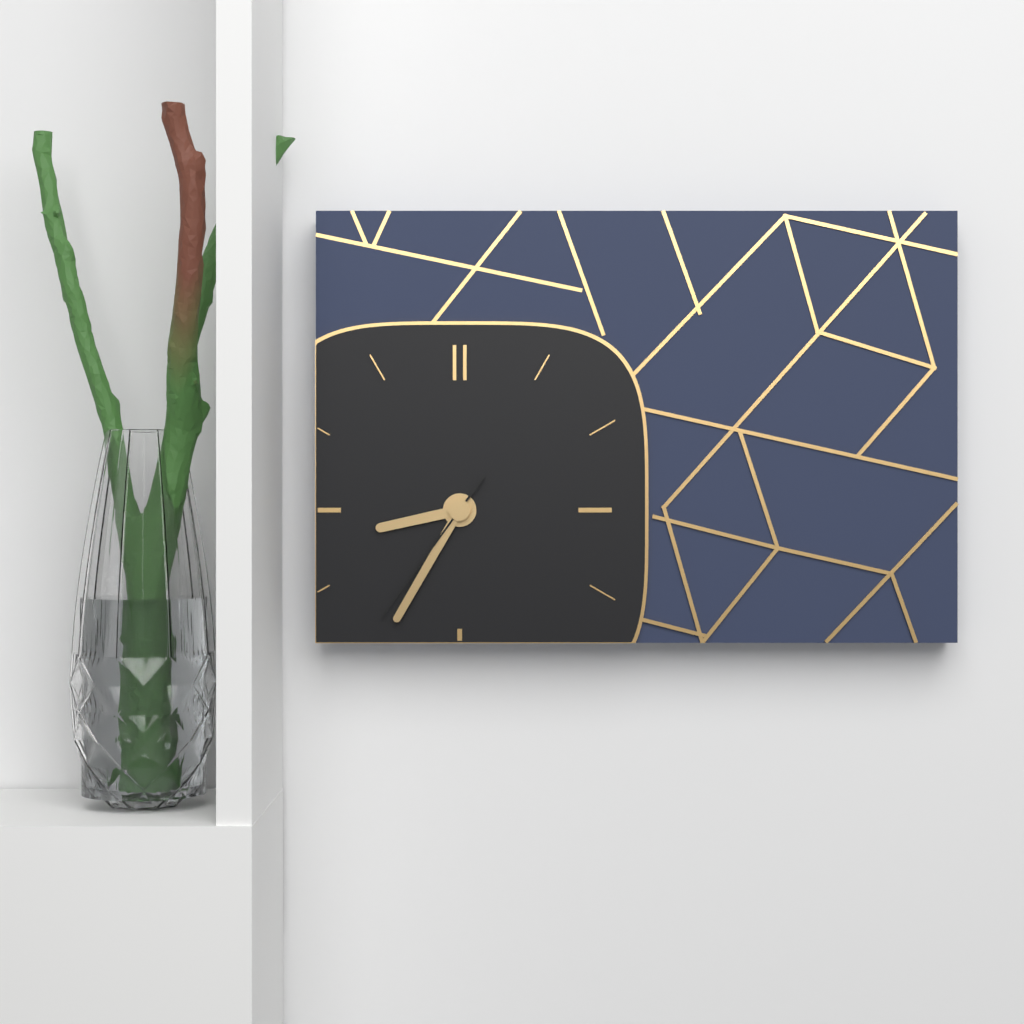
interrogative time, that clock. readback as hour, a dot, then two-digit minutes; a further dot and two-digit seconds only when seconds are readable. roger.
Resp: 8.35.36
